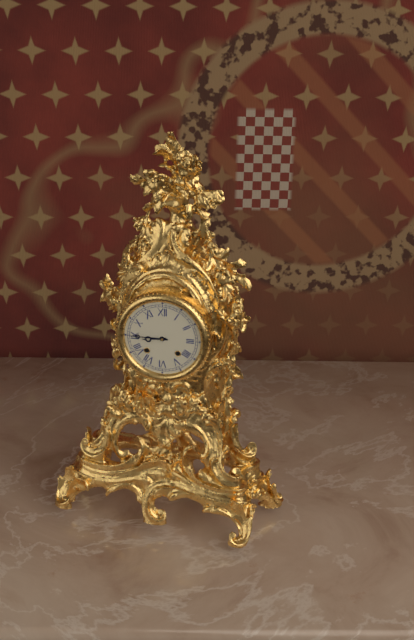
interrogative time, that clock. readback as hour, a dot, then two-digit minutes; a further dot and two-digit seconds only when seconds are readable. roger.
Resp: 8.45
